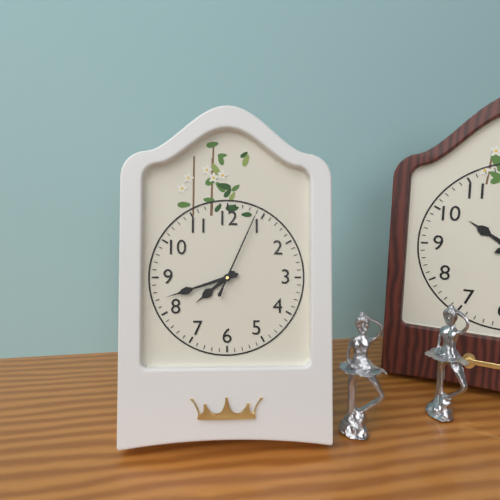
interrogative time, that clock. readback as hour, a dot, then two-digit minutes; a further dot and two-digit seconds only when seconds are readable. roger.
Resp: 7.42.04
